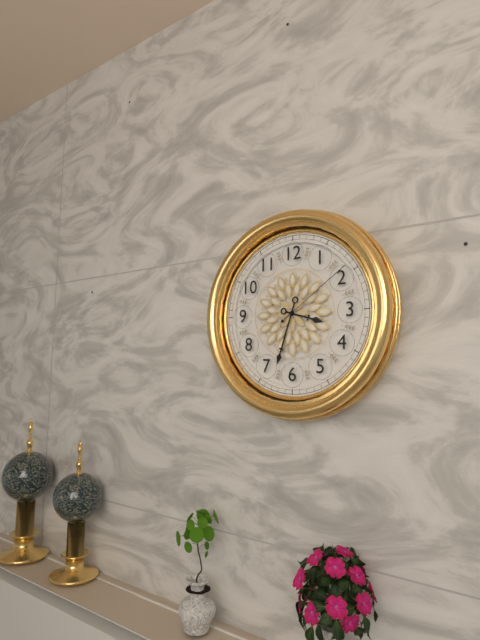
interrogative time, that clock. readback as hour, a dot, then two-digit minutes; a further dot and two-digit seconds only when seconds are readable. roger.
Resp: 3.33.09
